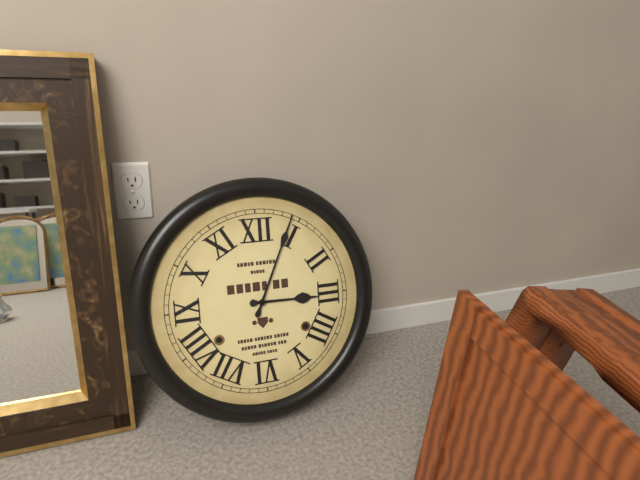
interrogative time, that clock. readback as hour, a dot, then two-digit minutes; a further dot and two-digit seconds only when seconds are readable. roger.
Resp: 3.04
